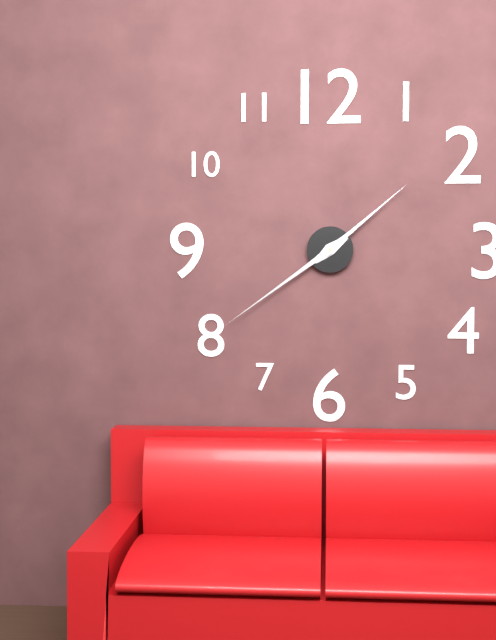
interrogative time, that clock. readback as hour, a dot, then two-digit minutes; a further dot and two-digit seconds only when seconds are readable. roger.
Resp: 1.39
